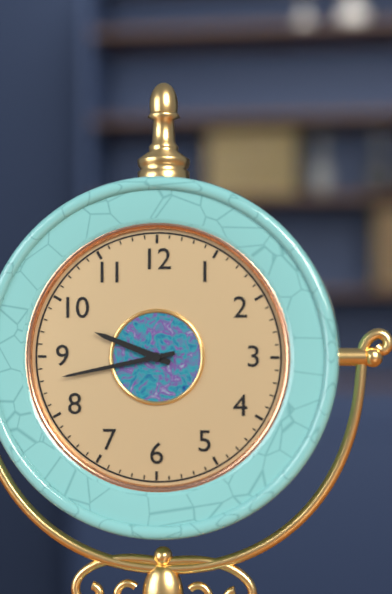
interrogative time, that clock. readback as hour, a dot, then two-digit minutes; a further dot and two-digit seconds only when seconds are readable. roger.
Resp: 9.43
